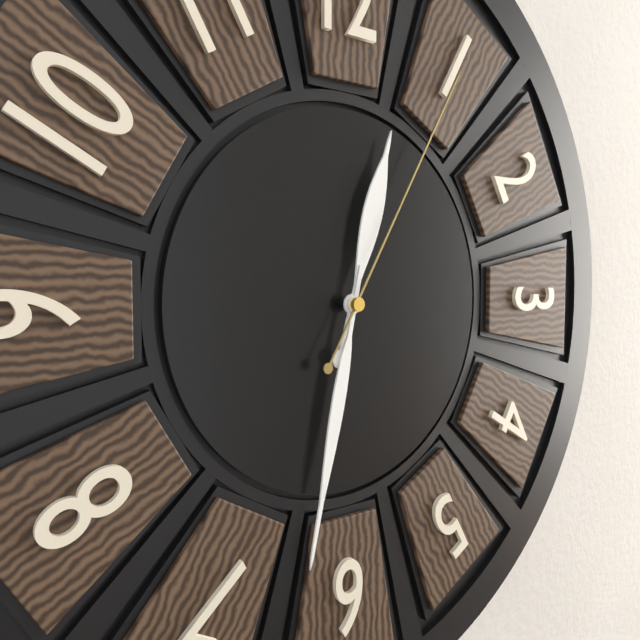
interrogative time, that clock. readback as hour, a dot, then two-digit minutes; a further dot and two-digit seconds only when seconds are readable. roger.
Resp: 12.32.05
